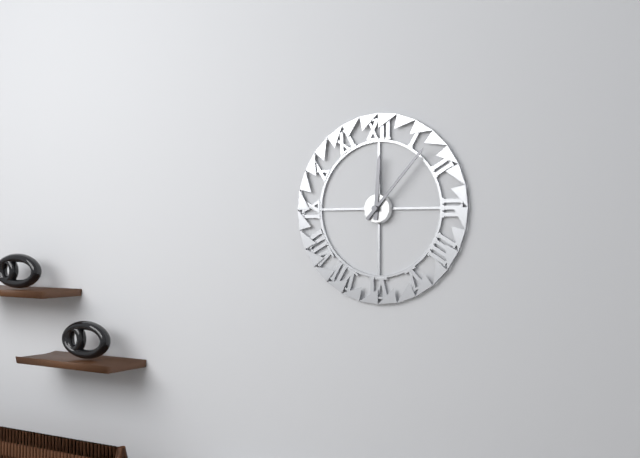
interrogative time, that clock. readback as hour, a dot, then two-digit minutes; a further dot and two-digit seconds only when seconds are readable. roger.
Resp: 12.07
